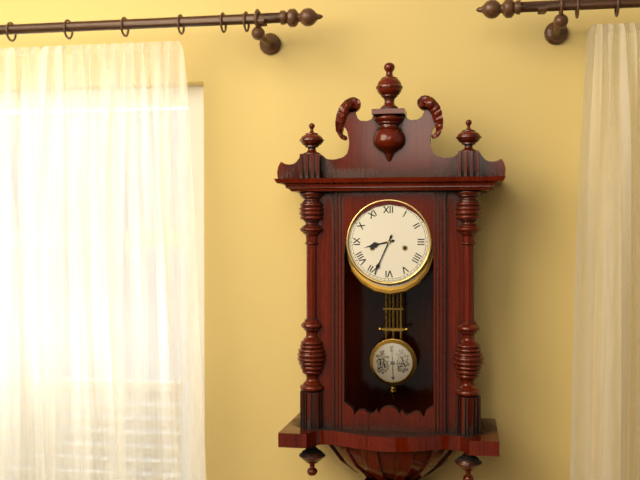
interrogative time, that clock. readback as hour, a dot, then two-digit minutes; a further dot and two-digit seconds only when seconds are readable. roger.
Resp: 8.34
